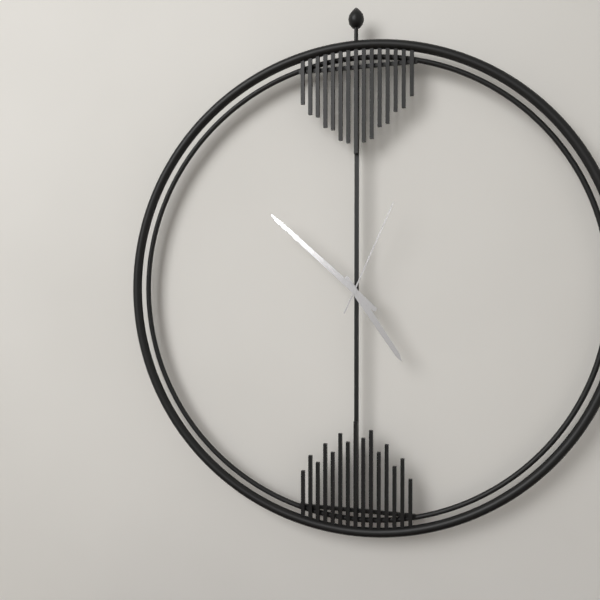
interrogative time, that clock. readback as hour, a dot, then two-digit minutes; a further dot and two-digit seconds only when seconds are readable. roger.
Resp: 4.52.04
